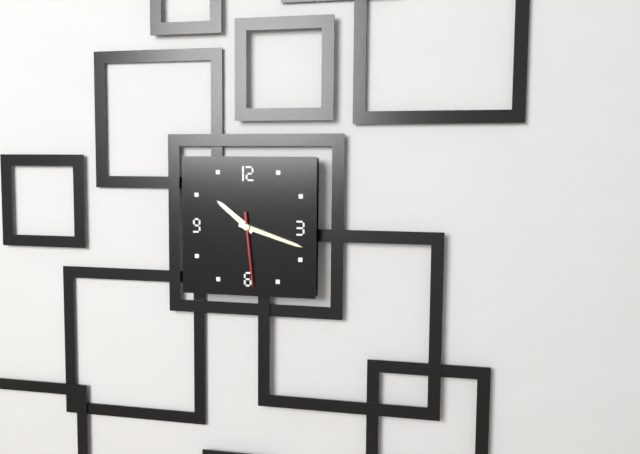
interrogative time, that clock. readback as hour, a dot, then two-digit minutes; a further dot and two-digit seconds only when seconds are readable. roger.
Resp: 10.18.29
